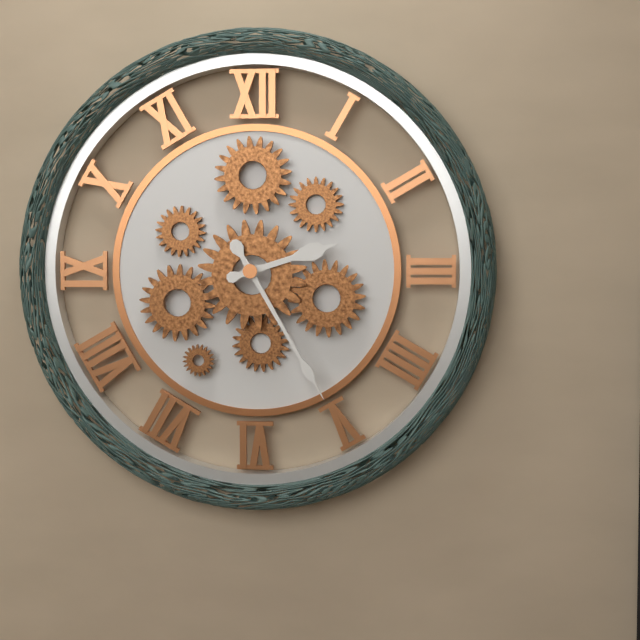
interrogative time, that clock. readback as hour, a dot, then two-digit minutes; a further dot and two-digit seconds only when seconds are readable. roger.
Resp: 2.25
